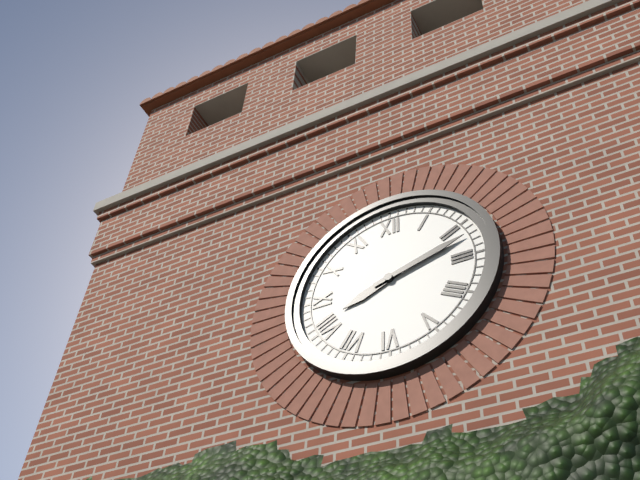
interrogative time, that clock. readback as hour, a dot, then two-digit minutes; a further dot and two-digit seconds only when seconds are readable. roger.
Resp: 8.12
